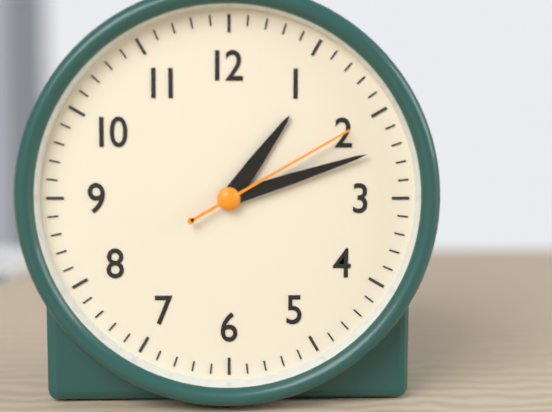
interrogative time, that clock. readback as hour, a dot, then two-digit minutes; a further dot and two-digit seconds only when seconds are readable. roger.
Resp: 1.12.10
